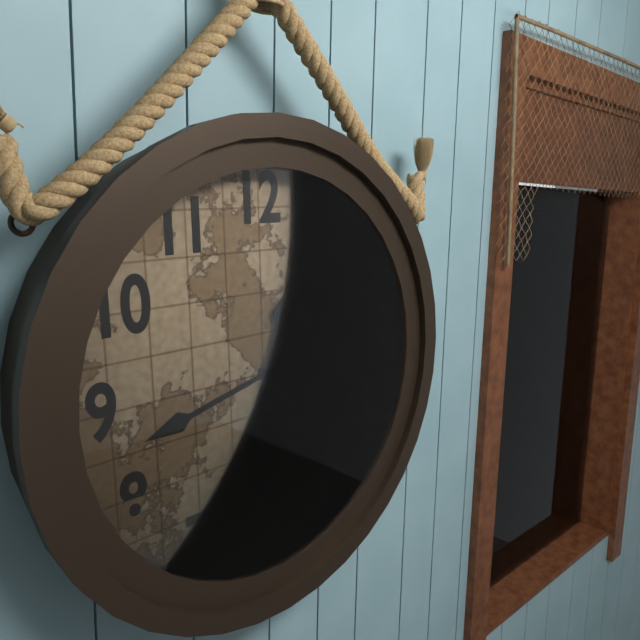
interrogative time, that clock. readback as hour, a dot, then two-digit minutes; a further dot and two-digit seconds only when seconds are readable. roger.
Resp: 8.33
